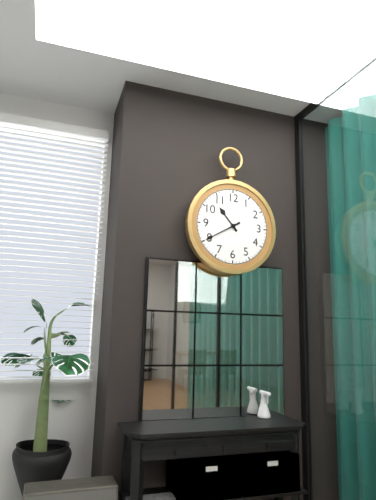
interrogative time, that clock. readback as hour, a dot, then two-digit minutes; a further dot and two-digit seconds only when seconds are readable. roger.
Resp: 10.40
